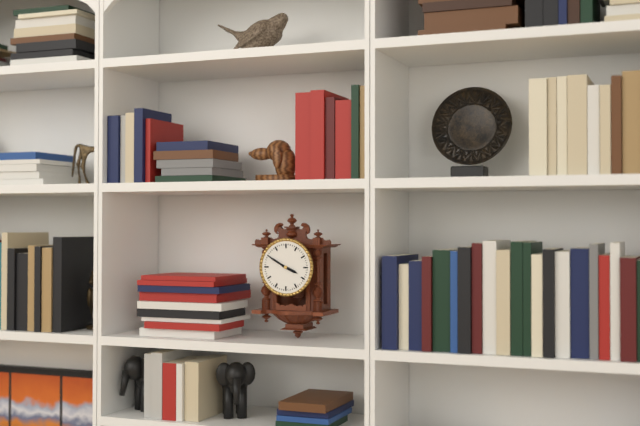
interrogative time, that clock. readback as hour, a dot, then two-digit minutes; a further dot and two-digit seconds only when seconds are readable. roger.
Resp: 3.50
